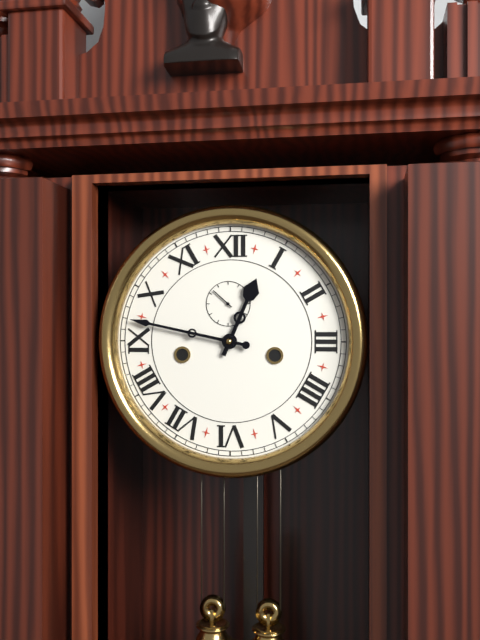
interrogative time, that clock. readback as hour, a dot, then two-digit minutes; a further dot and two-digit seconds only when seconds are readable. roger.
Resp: 12.47
